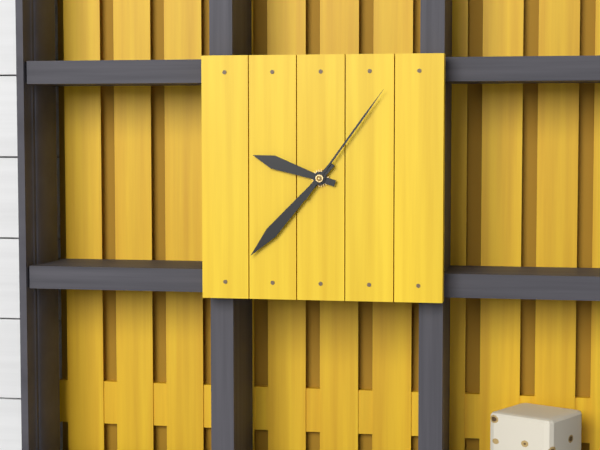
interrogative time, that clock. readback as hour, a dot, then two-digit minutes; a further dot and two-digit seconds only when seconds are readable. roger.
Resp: 9.37.06
